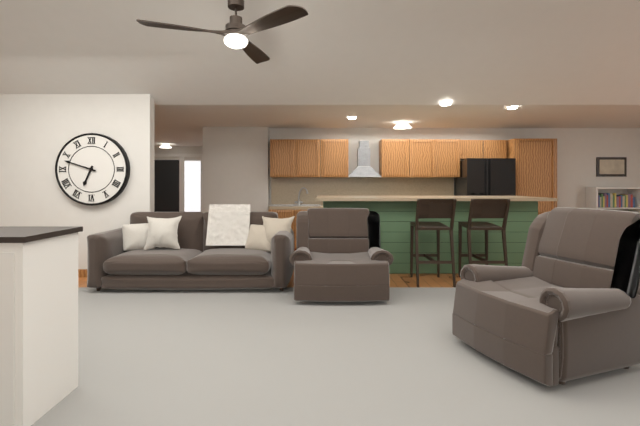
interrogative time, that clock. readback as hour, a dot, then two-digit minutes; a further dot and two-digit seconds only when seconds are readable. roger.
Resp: 6.48
